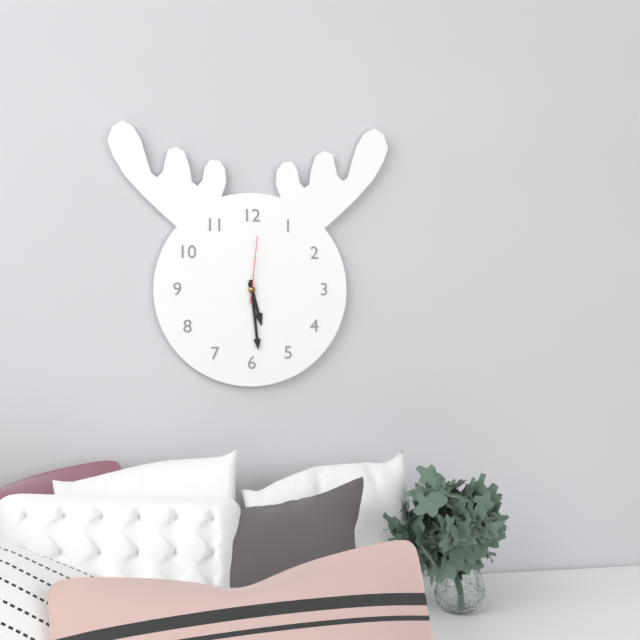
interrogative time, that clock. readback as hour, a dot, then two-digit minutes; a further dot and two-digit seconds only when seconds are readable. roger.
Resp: 5.29.01
